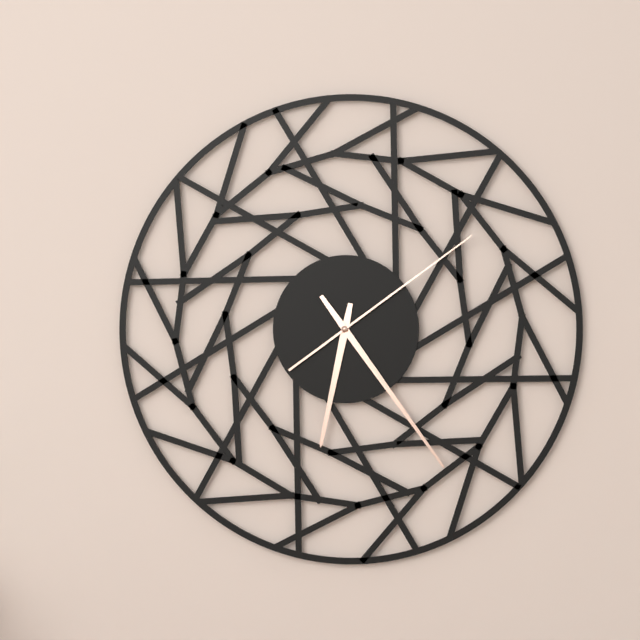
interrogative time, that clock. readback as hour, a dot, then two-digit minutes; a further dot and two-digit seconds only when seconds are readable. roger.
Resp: 6.24.09
